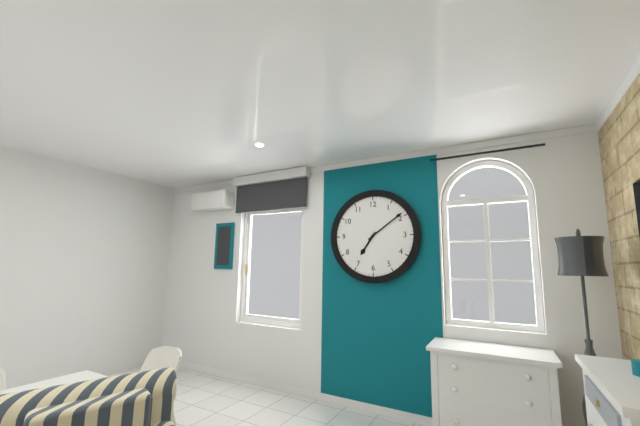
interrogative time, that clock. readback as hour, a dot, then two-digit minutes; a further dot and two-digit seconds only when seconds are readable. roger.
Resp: 7.09
